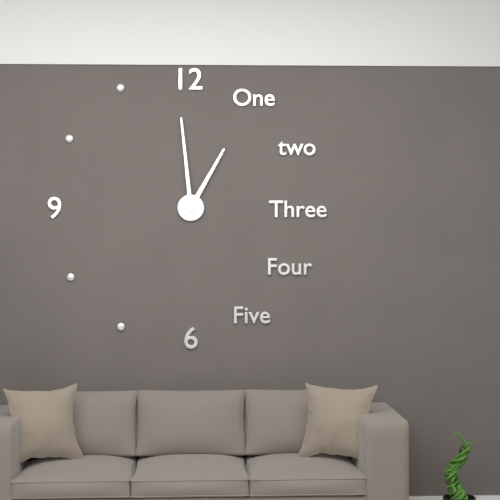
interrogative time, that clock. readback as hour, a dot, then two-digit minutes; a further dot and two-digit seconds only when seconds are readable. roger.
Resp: 12.59
